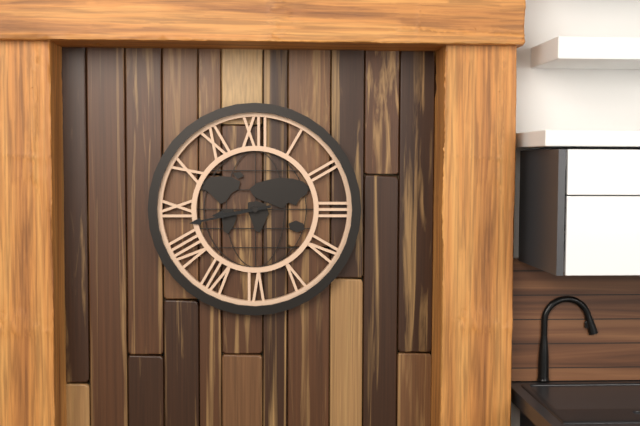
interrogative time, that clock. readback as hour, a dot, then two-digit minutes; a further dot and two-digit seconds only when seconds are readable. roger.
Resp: 8.43
